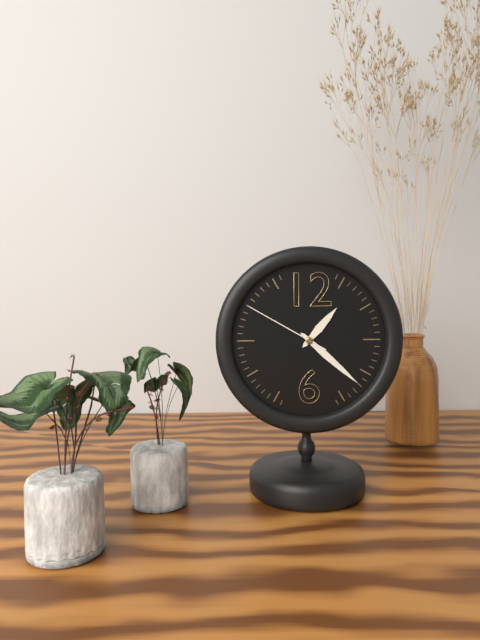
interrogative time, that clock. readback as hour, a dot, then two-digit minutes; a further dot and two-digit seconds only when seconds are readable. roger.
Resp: 1.22.50
